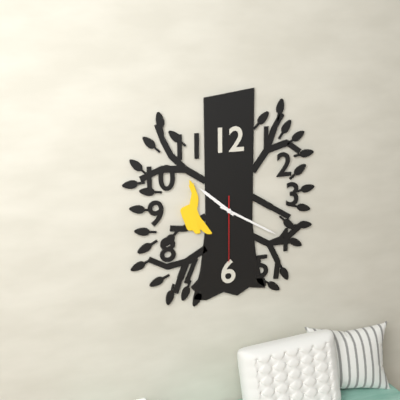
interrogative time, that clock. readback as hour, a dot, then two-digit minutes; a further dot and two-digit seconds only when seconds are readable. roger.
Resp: 10.20.30
